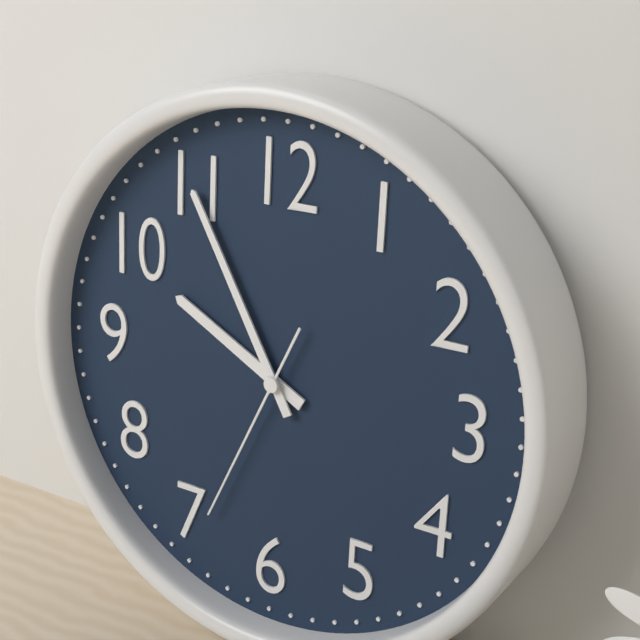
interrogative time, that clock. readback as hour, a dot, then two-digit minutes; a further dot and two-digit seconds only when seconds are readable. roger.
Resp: 9.55.34
